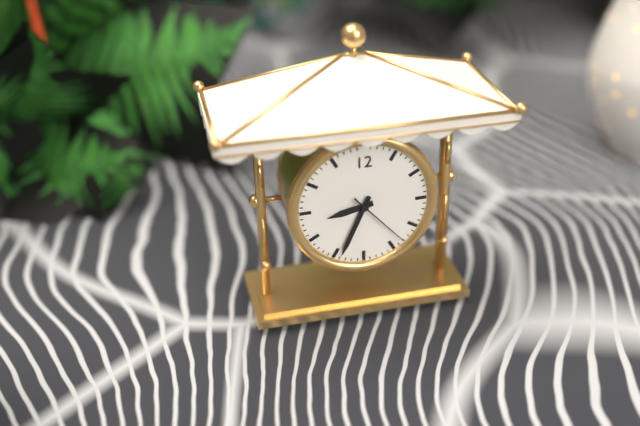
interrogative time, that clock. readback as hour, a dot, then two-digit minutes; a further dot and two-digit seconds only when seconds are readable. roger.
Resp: 8.34.23
